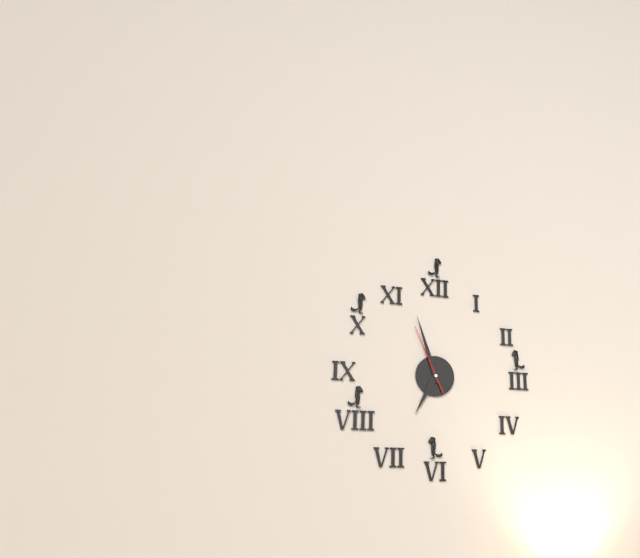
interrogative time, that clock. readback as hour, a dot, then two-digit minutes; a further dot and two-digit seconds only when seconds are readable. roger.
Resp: 6.57.56
